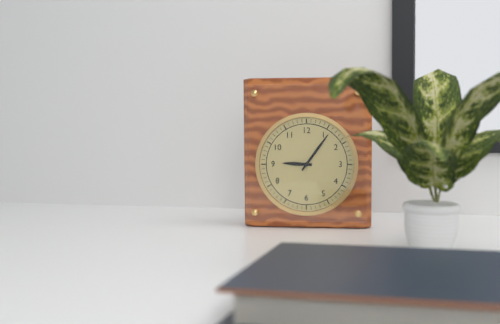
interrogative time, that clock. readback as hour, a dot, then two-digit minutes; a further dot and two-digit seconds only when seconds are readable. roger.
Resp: 9.06
